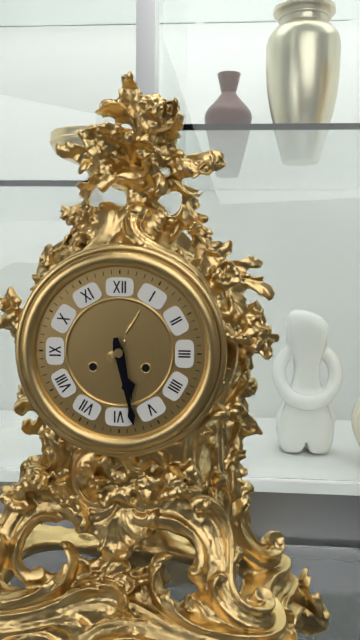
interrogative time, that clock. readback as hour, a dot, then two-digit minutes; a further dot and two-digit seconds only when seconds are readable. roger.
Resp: 5.28
